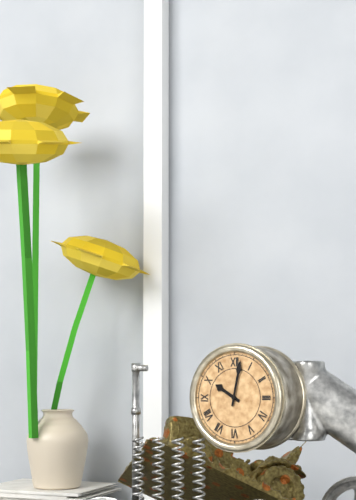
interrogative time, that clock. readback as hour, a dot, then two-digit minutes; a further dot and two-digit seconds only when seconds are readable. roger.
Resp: 10.02
